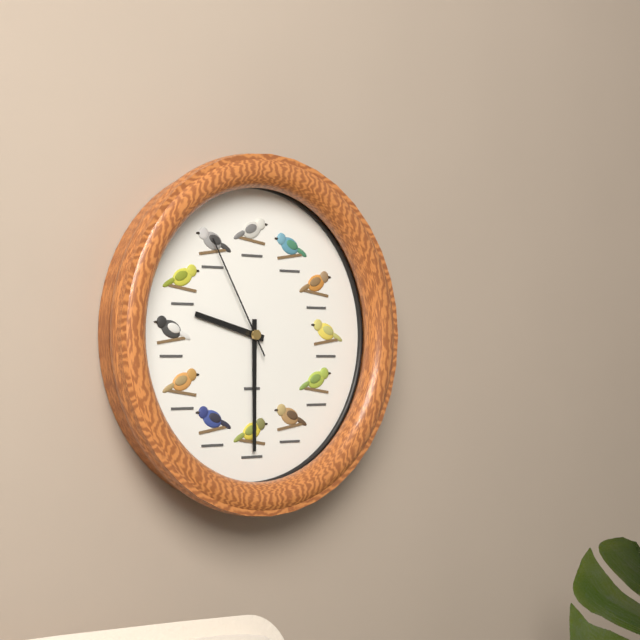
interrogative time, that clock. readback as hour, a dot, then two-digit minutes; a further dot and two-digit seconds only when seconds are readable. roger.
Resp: 9.30.55
